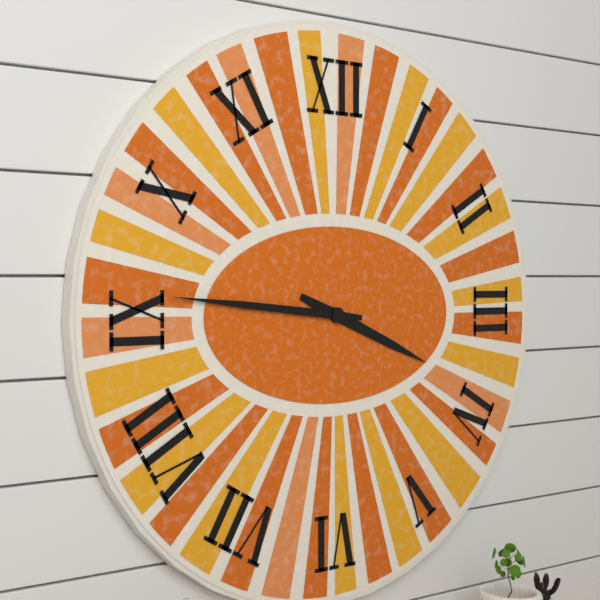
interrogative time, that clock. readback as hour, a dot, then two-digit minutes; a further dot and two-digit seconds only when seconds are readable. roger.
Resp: 3.46
